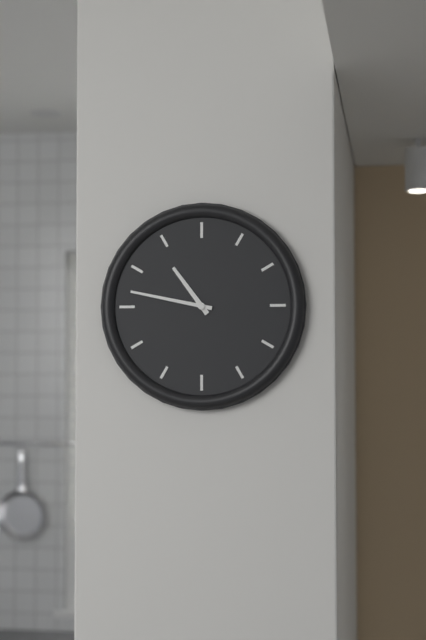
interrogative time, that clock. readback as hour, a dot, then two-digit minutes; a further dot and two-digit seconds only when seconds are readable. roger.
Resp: 10.47
